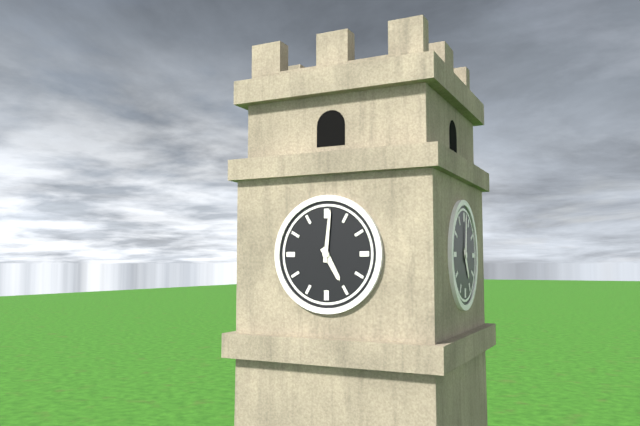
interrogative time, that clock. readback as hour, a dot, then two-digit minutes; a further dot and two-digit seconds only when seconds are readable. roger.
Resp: 5.01
